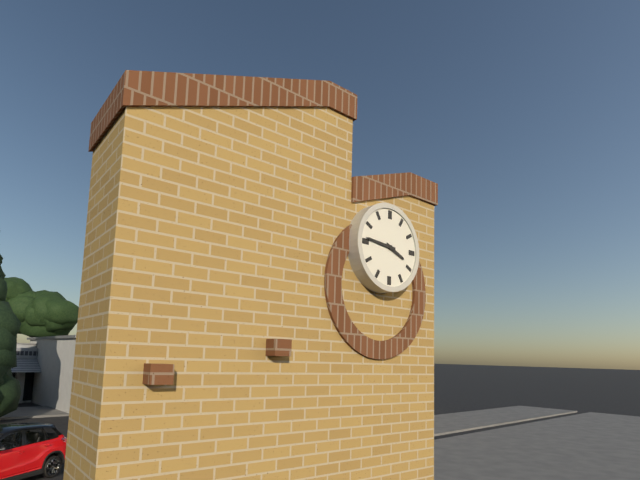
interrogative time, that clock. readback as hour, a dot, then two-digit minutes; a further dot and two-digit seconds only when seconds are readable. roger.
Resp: 3.46
